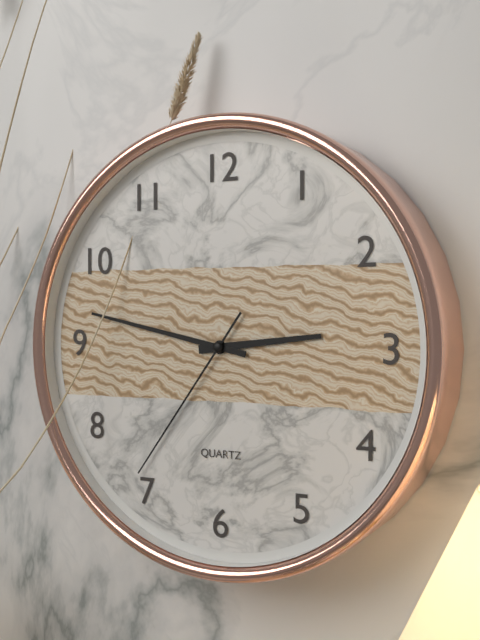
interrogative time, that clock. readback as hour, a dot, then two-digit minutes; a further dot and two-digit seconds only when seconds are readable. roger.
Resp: 2.47.36
